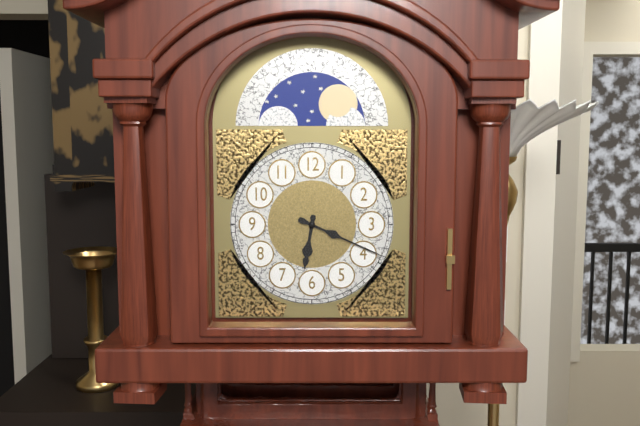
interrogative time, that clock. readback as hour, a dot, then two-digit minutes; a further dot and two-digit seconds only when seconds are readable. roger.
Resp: 6.19
